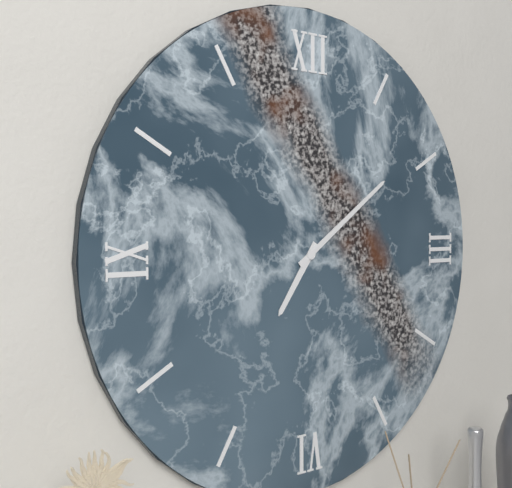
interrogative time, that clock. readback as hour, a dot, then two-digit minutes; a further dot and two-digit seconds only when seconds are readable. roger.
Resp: 7.09
